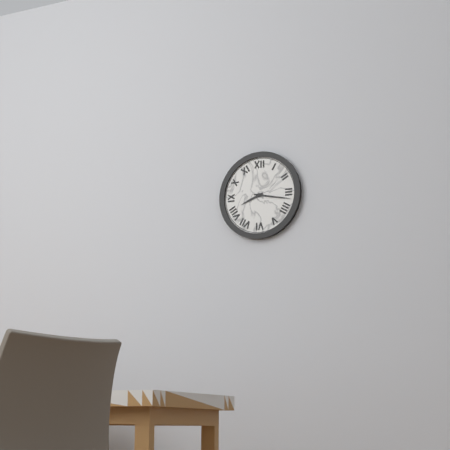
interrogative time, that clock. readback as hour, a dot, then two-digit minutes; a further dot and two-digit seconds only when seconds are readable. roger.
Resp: 8.17
